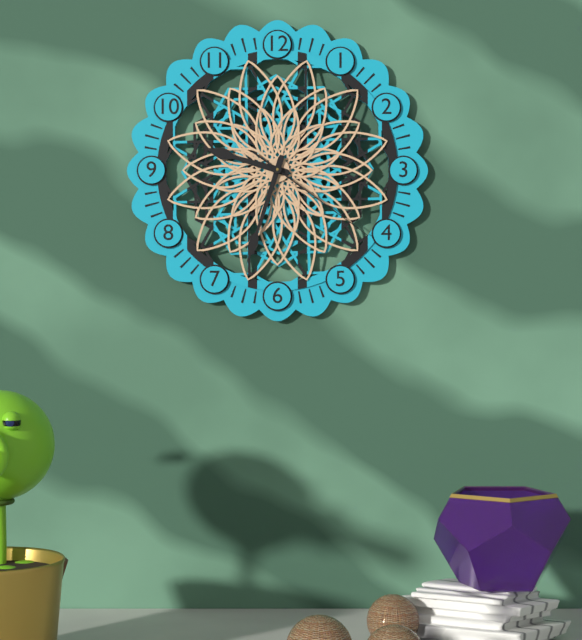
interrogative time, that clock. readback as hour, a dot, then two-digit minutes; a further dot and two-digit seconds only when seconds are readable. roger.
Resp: 9.33.21
